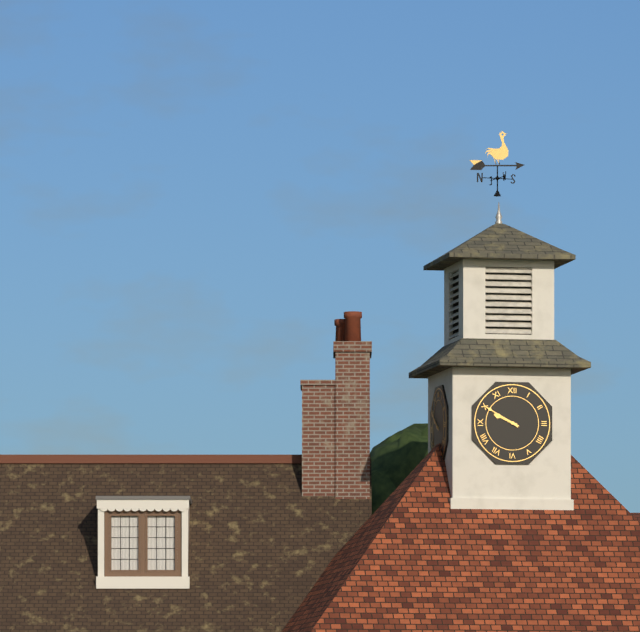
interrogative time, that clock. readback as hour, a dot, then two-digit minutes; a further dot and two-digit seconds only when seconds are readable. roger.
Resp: 9.50
